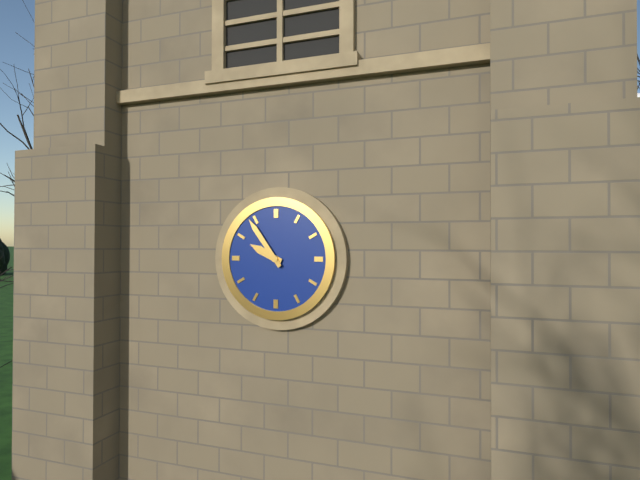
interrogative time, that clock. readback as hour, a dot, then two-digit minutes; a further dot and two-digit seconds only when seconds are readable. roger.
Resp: 9.54
